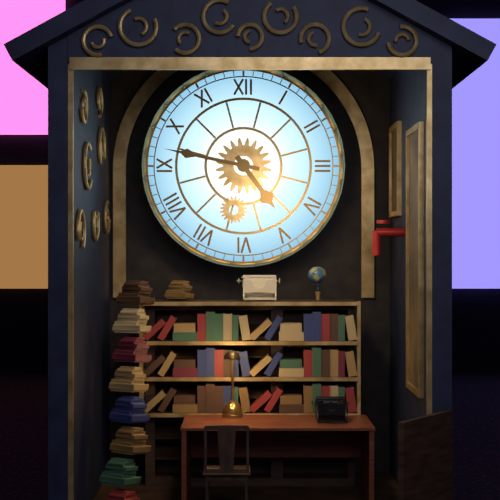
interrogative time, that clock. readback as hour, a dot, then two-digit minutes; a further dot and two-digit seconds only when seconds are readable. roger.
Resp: 4.47
